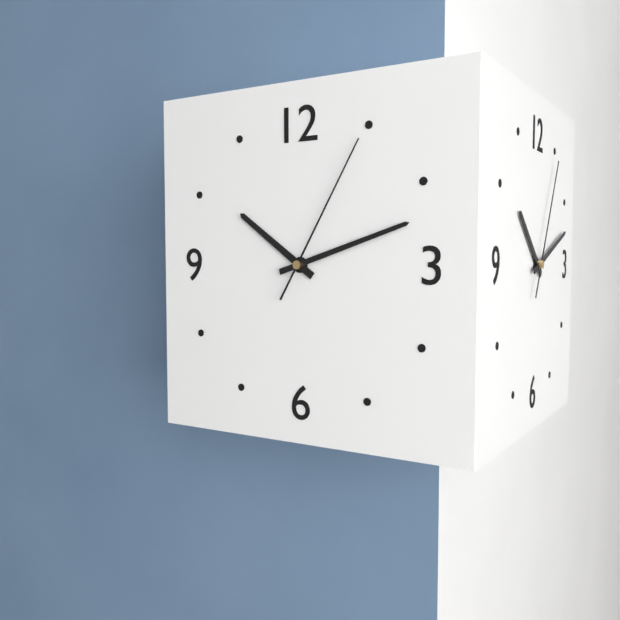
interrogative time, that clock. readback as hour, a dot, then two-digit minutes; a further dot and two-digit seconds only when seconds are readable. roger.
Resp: 10.12.05
